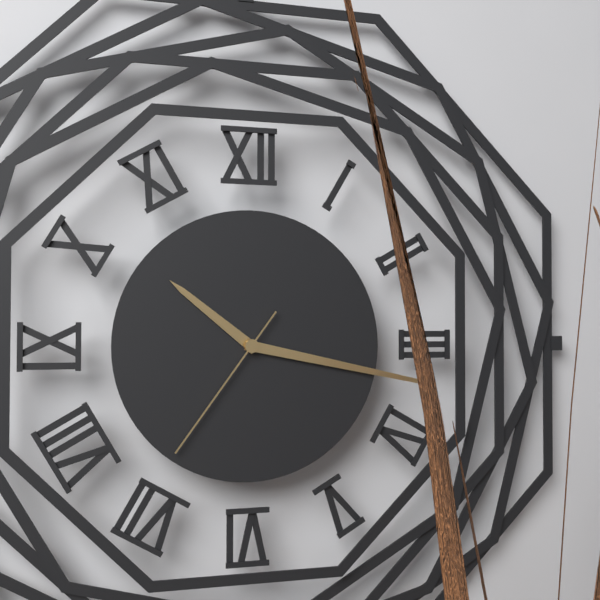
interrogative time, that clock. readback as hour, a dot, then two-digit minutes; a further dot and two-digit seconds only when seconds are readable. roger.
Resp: 10.17.36
